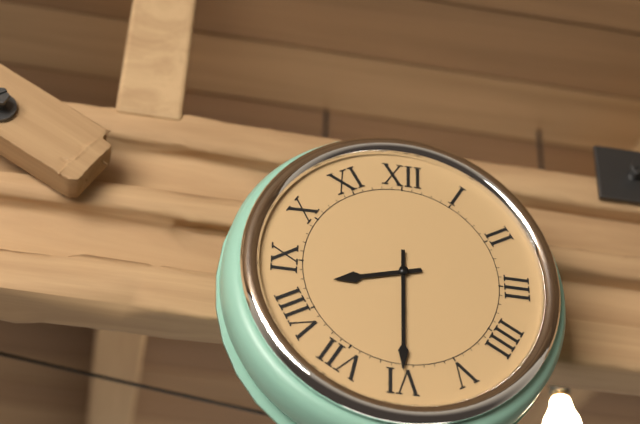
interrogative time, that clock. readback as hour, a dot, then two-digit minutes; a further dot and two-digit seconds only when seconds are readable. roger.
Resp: 8.30
